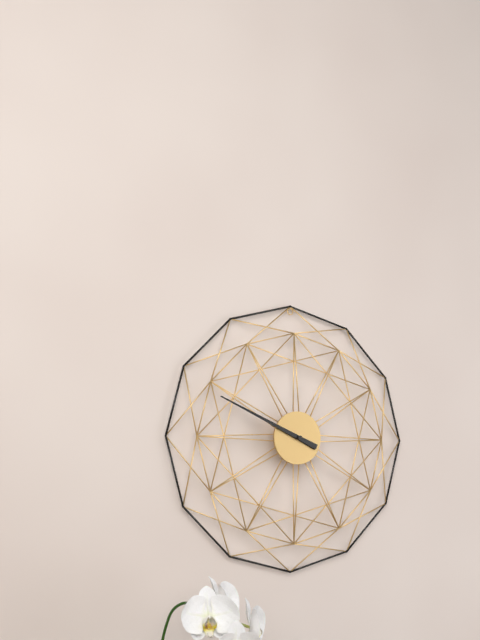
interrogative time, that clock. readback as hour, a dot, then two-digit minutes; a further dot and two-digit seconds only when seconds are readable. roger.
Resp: 9.49
